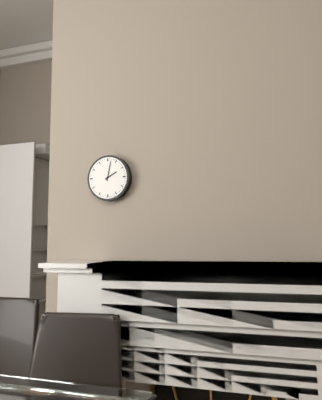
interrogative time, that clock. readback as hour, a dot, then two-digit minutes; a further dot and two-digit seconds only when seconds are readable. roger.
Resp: 2.02
